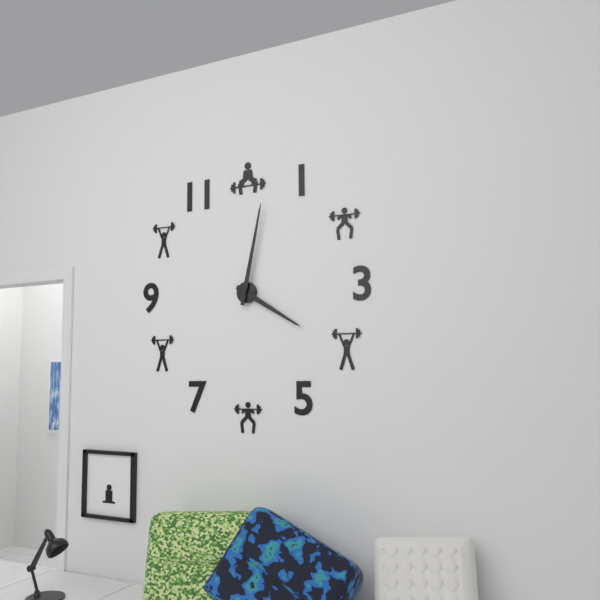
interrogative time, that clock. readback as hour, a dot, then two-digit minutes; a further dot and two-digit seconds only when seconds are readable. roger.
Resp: 4.02
